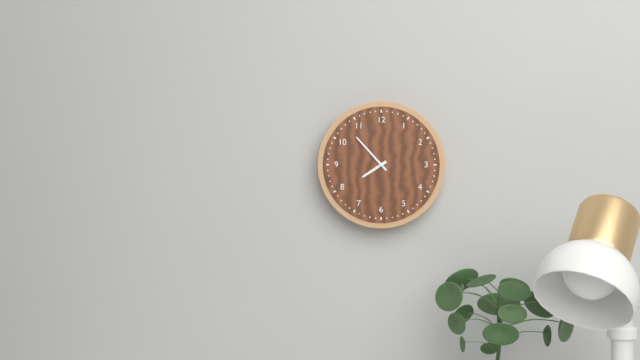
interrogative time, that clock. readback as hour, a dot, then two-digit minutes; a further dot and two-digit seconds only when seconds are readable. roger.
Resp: 7.53
